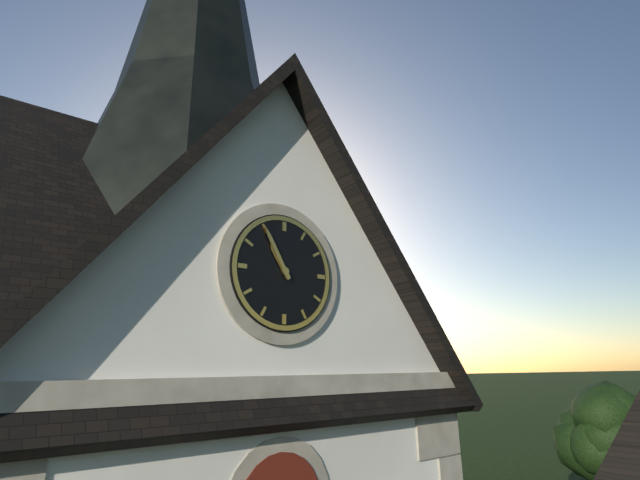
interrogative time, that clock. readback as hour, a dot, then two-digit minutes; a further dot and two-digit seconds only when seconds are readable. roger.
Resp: 10.55
